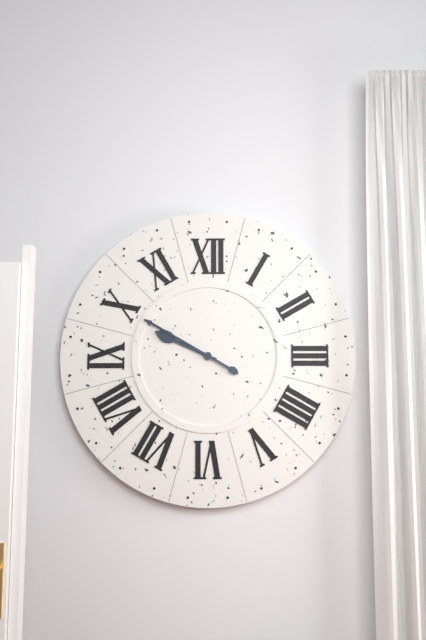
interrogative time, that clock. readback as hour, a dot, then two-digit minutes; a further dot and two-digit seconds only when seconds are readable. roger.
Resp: 9.50
